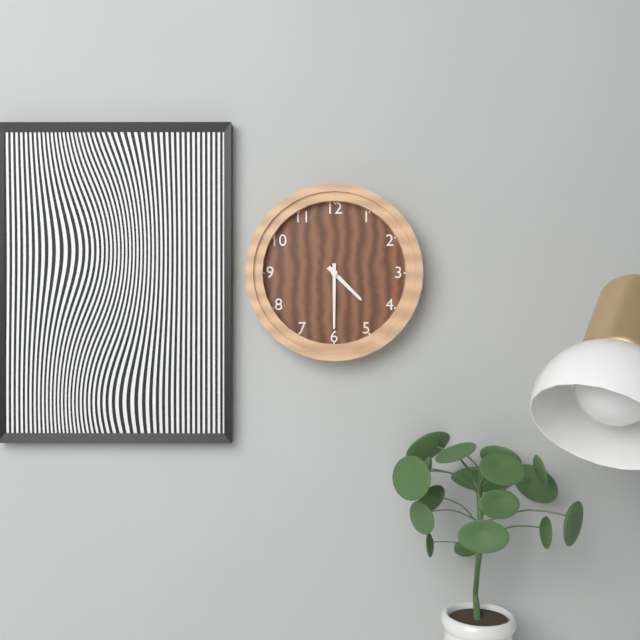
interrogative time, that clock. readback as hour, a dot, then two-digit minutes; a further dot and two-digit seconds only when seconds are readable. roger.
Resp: 4.30
